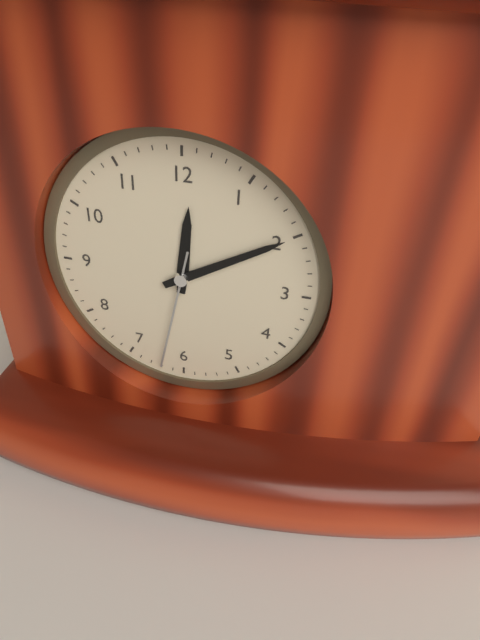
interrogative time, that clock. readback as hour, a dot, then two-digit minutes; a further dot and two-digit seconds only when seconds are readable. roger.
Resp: 12.10.32
